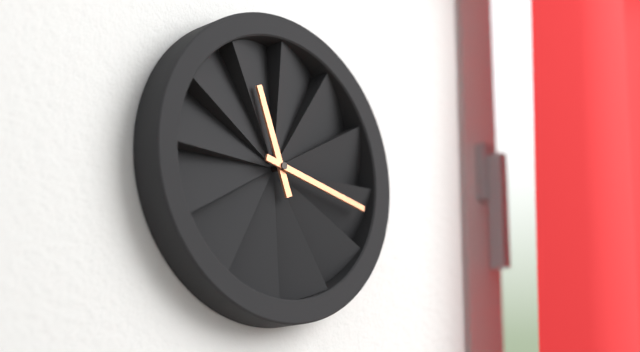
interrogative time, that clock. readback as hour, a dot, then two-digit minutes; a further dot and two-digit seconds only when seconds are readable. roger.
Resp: 11.17
